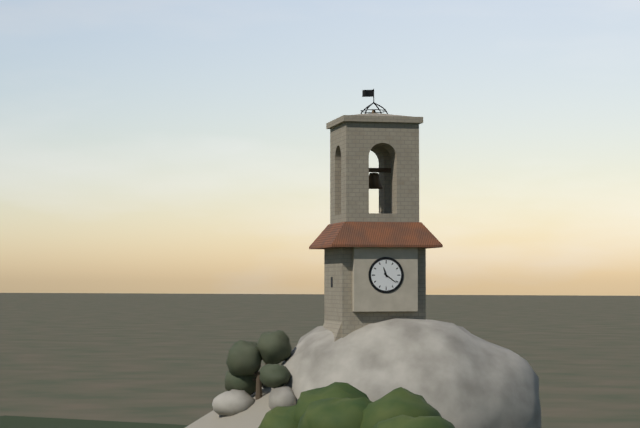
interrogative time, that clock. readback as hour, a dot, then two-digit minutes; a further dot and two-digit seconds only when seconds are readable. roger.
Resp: 11.21
